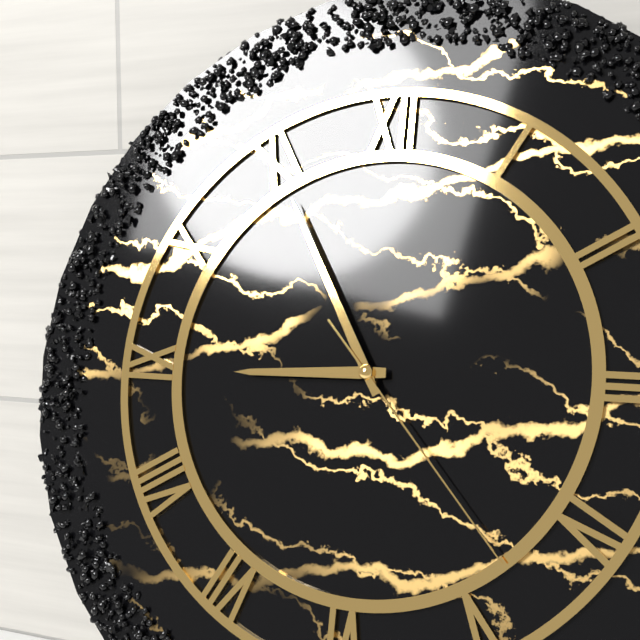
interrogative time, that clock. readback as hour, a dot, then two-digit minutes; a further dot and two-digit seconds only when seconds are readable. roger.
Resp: 8.55.23
